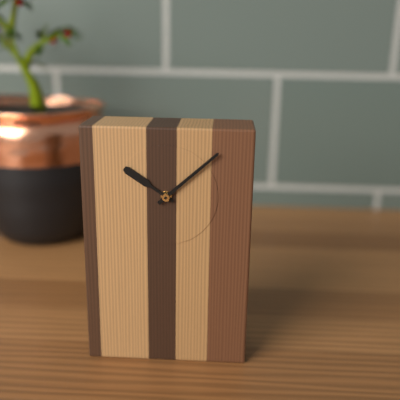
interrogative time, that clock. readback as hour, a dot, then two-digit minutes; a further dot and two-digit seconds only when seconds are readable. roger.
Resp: 10.08
